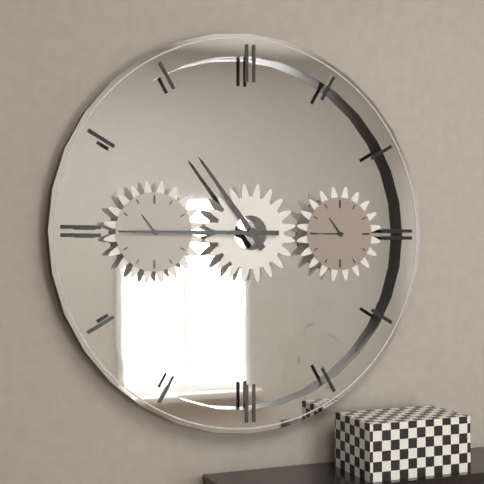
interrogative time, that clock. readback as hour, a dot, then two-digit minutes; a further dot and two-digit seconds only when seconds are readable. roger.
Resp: 10.45
